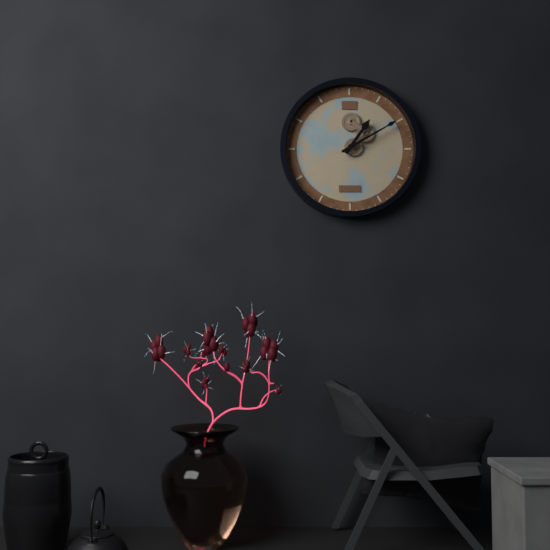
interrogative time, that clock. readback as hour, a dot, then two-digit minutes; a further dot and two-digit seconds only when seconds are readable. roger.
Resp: 1.10
